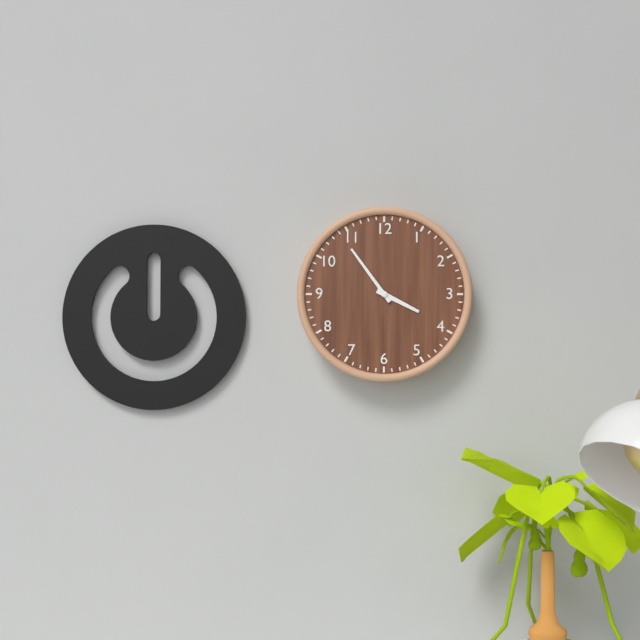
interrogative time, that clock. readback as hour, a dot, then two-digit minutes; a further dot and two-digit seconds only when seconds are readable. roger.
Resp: 3.54
